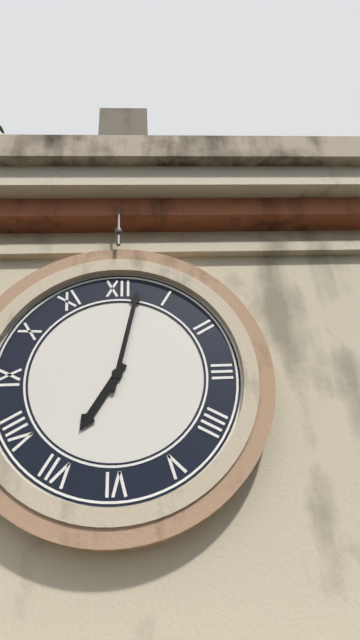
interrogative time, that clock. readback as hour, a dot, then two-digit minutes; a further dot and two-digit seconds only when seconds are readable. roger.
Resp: 7.02
